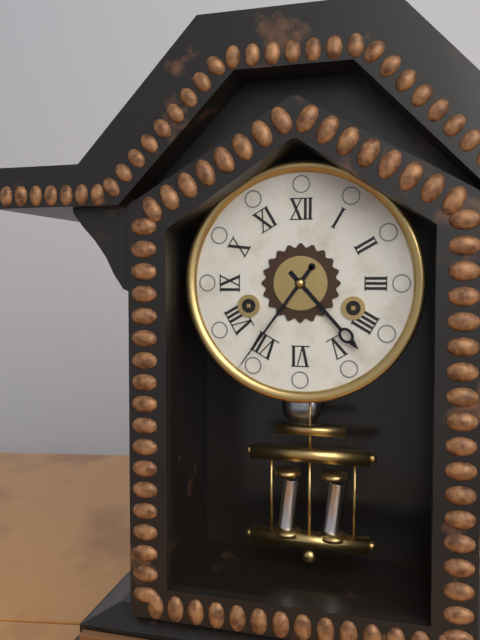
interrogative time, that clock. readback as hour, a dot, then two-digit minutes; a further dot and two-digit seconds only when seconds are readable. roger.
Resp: 4.36
